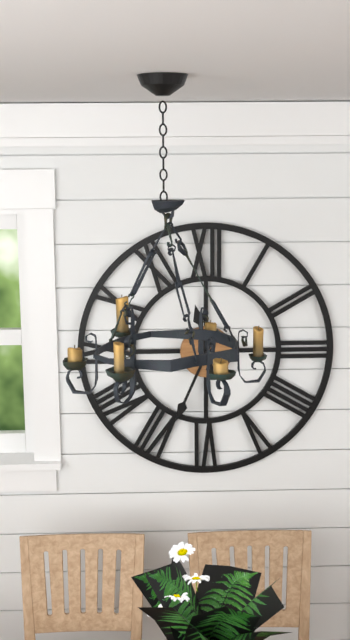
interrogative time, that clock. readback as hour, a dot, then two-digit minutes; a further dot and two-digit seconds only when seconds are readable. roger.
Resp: 11.34
